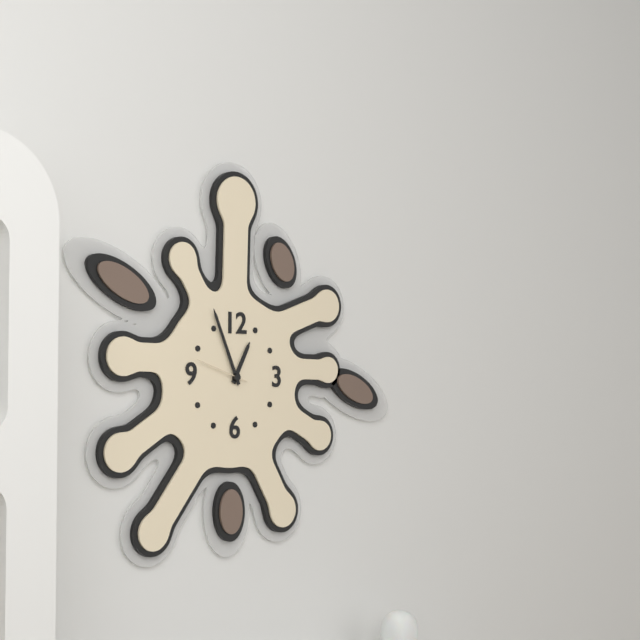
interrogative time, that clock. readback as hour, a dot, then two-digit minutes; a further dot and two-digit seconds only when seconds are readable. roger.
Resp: 12.56.48
